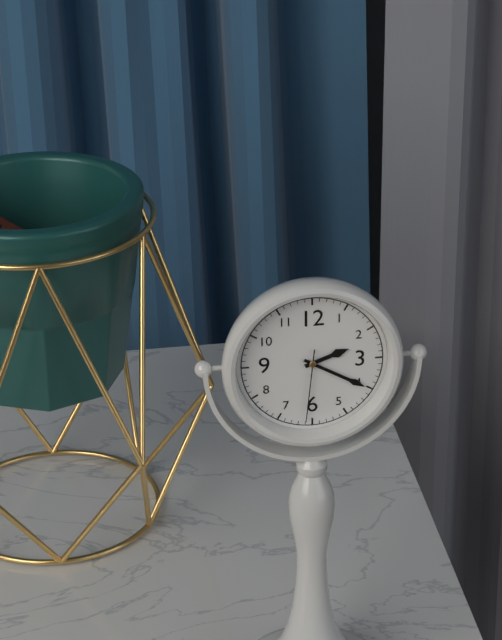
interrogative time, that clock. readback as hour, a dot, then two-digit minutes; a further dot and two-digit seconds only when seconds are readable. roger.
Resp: 2.20.31
